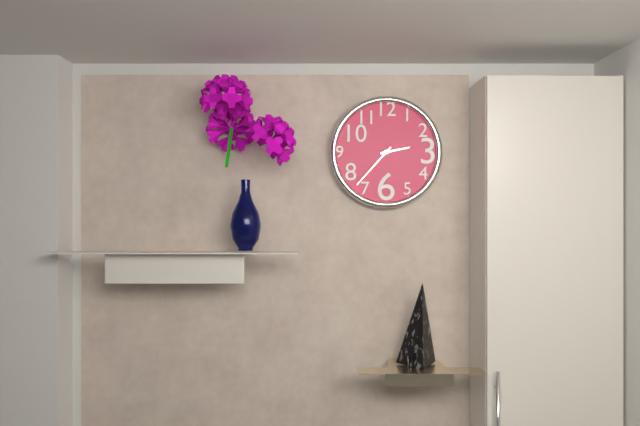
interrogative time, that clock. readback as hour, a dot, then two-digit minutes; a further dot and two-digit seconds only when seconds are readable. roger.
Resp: 2.37
